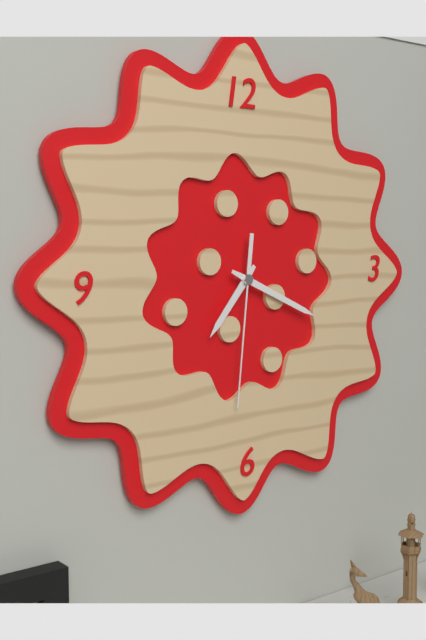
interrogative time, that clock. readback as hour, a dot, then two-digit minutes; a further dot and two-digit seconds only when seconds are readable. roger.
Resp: 7.19.31
